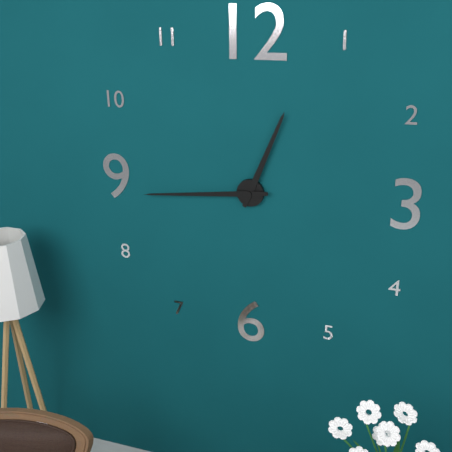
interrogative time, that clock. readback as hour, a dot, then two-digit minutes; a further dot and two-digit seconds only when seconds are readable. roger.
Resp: 12.44
